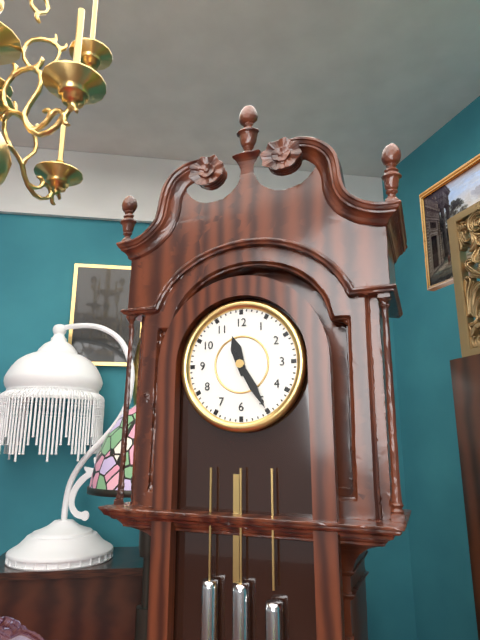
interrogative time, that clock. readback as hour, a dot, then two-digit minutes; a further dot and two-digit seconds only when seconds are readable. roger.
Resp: 11.25
